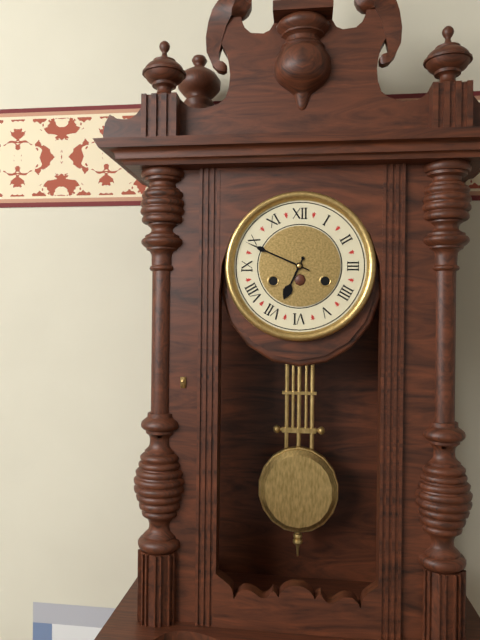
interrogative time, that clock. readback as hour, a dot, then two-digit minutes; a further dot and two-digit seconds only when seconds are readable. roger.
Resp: 6.49
